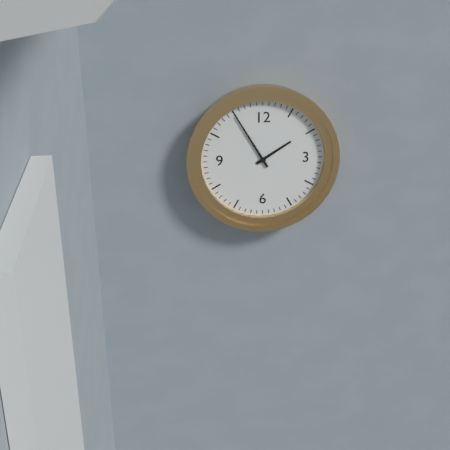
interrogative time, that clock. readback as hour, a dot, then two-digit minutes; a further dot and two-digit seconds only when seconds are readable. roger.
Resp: 1.55
